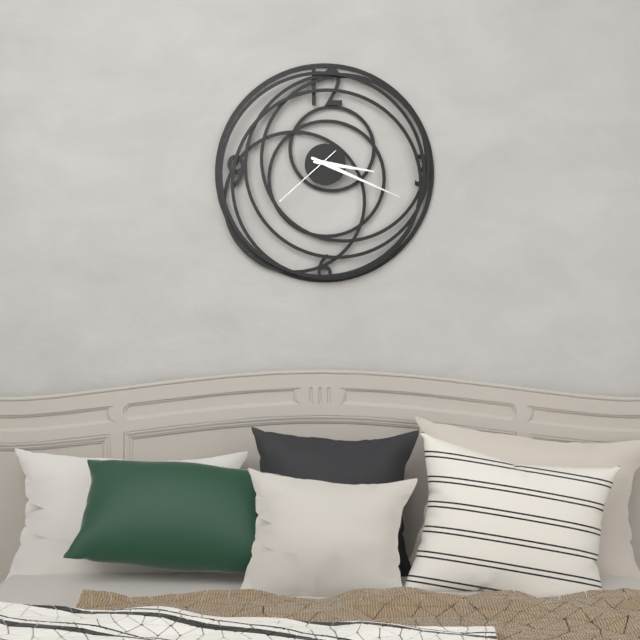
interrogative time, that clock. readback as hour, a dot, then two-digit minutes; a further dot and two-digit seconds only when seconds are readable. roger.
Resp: 3.19.38
